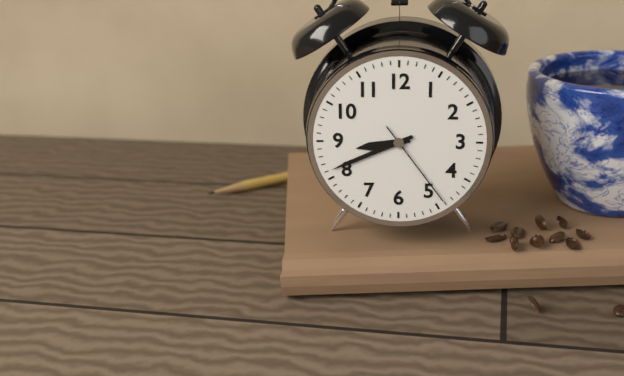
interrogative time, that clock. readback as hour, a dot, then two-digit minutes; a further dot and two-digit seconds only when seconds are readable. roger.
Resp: 8.41.24
